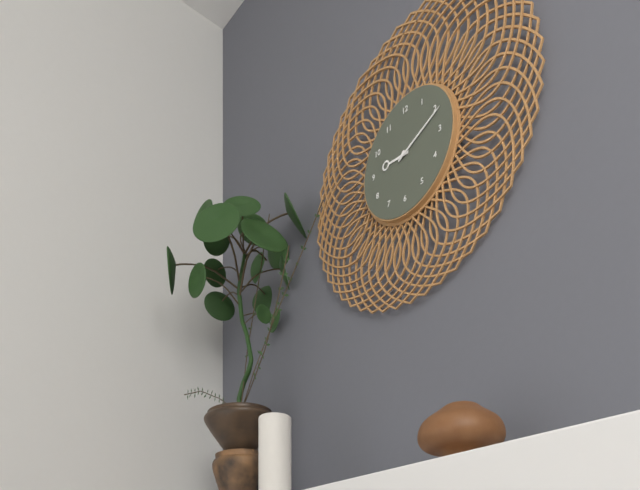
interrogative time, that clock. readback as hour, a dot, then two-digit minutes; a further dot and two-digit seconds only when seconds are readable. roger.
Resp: 9.11
